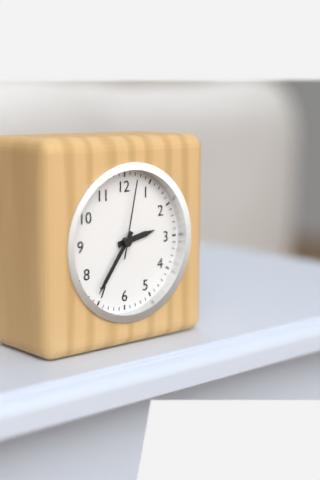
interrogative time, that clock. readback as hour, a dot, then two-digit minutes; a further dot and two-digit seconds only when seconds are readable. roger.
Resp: 2.36.02
